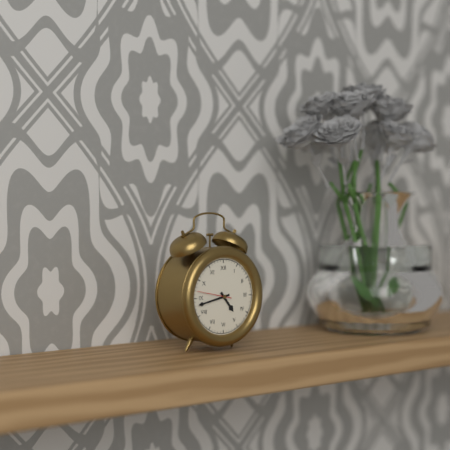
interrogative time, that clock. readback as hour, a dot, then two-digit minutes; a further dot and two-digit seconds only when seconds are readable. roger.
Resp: 4.43
